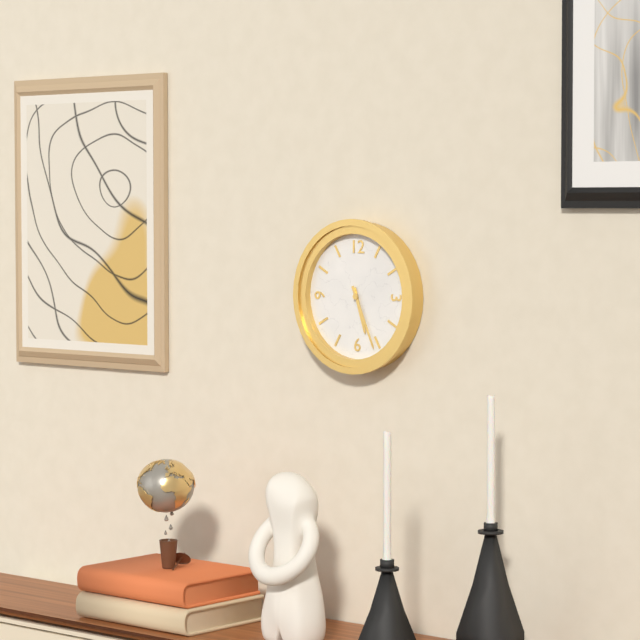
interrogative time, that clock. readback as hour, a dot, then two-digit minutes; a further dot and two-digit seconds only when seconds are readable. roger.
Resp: 5.26
